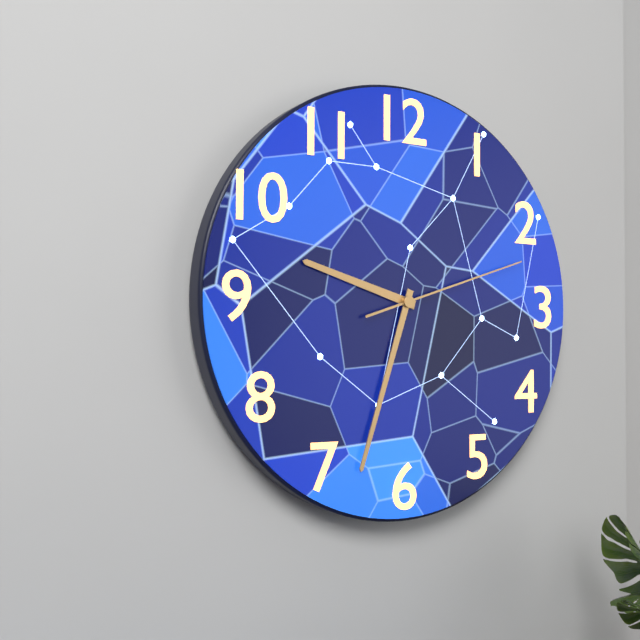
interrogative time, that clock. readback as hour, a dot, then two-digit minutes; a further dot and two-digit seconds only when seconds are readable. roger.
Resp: 9.33.12
